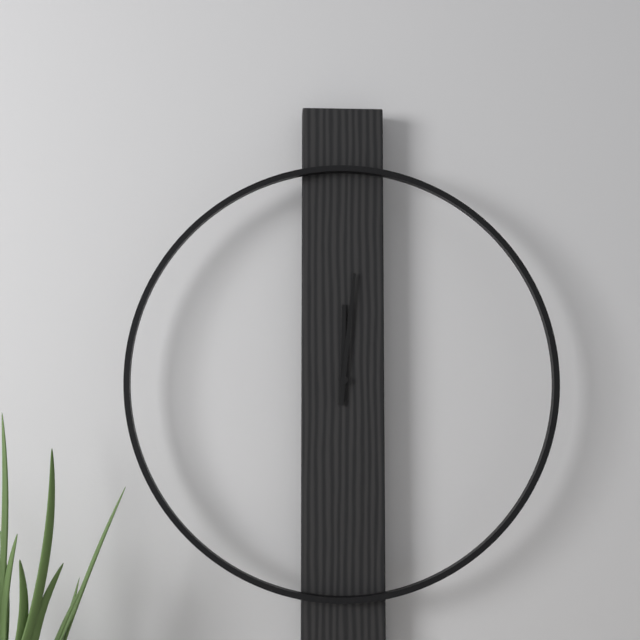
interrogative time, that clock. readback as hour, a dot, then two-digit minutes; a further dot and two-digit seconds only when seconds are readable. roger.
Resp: 12.01
